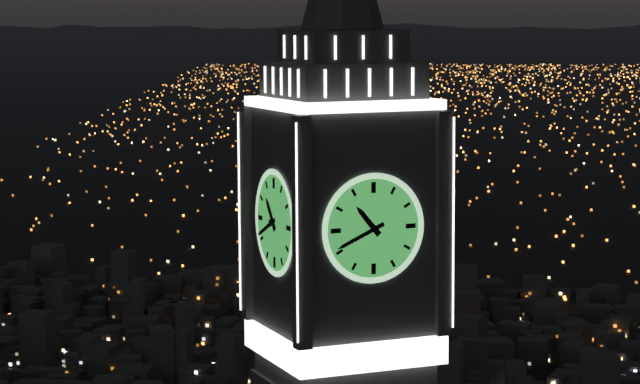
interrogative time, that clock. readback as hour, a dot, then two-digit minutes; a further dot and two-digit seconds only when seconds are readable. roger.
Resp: 10.41
